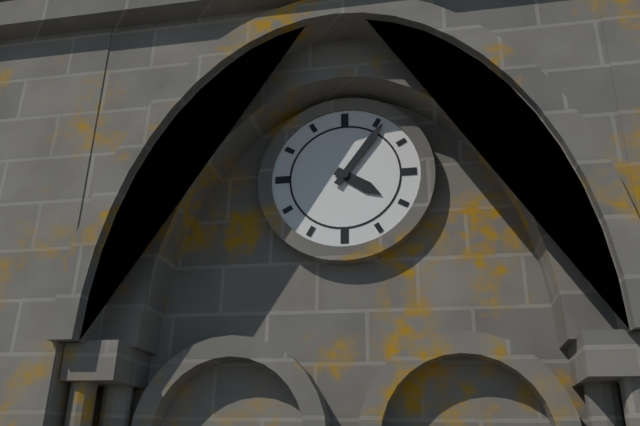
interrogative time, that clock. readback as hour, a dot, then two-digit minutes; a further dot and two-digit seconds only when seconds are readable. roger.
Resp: 4.06
